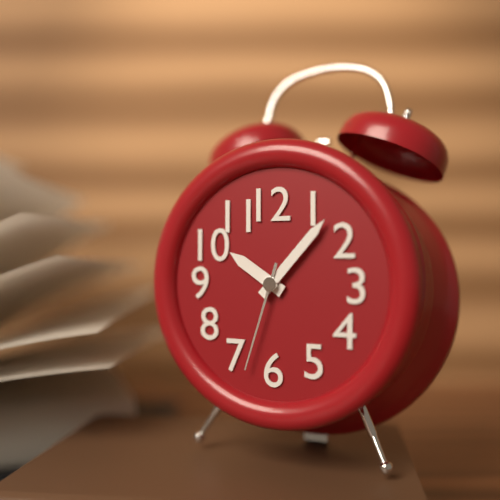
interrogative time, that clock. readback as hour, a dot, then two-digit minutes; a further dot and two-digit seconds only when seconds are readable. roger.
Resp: 10.07.33
